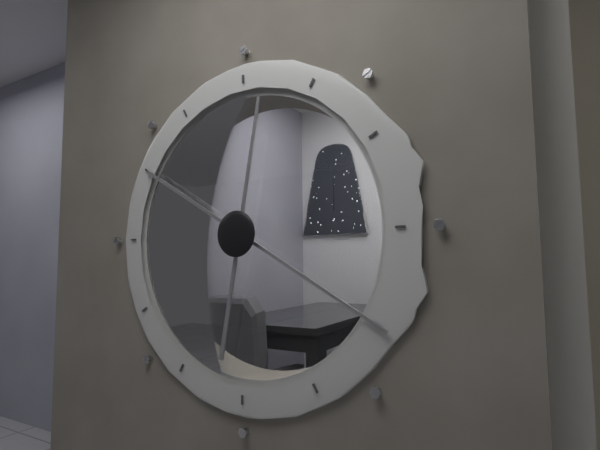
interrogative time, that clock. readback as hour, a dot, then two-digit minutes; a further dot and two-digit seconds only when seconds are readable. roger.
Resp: 12.20
